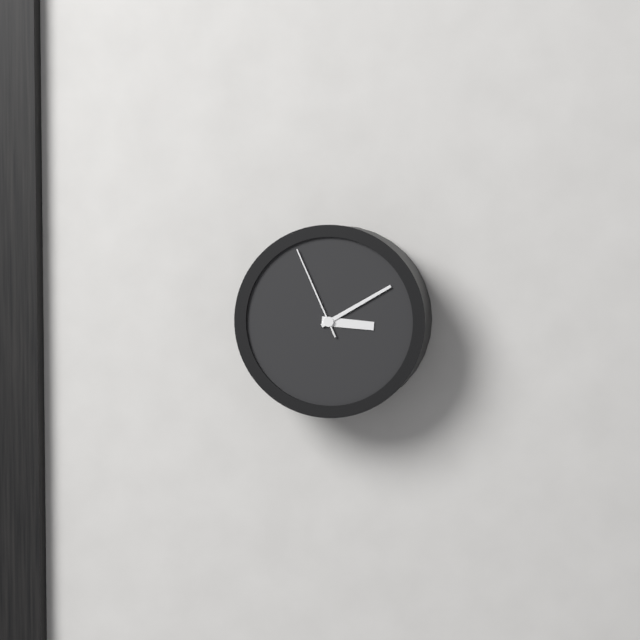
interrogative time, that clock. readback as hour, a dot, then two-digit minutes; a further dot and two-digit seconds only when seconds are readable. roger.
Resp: 3.10.56
